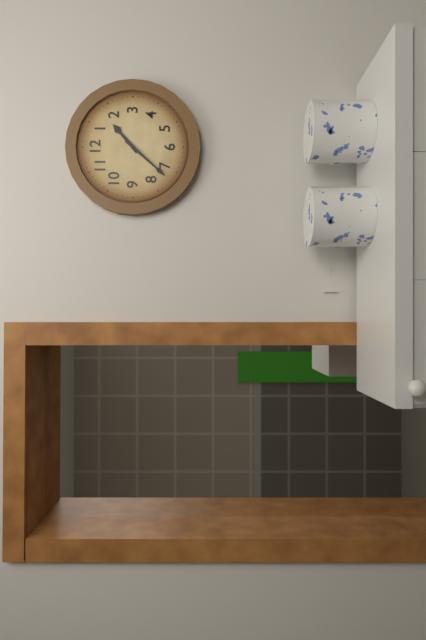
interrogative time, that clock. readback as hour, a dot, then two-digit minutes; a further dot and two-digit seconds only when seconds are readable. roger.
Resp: 1.37
